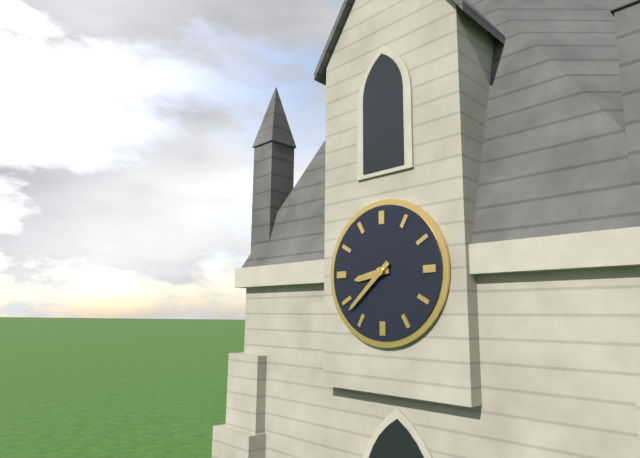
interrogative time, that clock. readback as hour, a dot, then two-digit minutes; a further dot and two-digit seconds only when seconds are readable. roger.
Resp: 8.38
